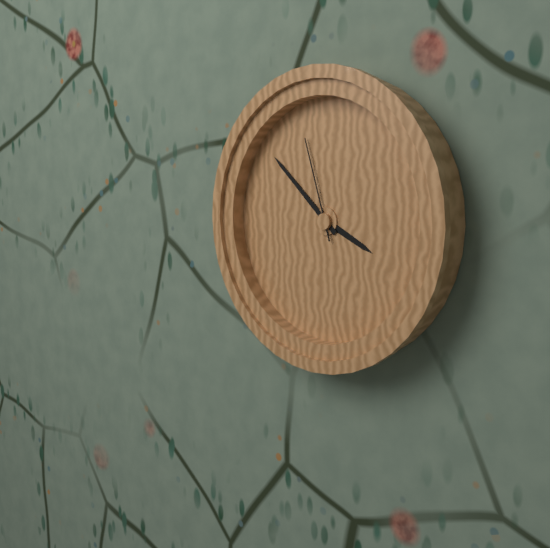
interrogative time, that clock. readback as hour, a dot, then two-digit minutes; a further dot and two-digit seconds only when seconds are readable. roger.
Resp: 3.52.57
